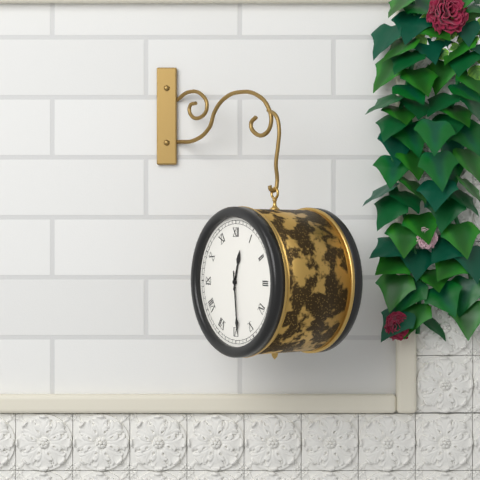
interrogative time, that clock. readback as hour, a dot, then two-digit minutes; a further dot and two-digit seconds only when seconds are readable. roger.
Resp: 12.29
